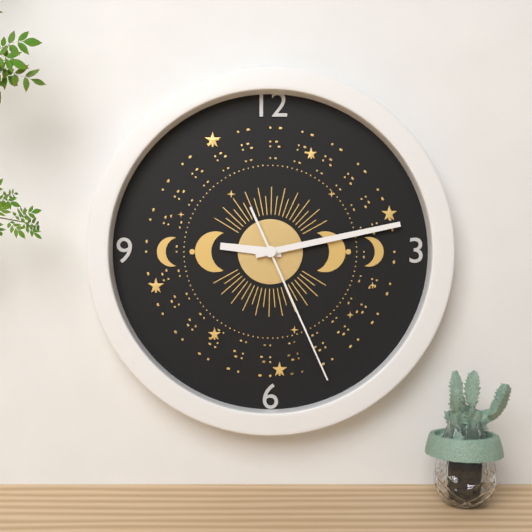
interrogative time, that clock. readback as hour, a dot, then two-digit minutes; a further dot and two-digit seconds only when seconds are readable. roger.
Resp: 9.13.26
